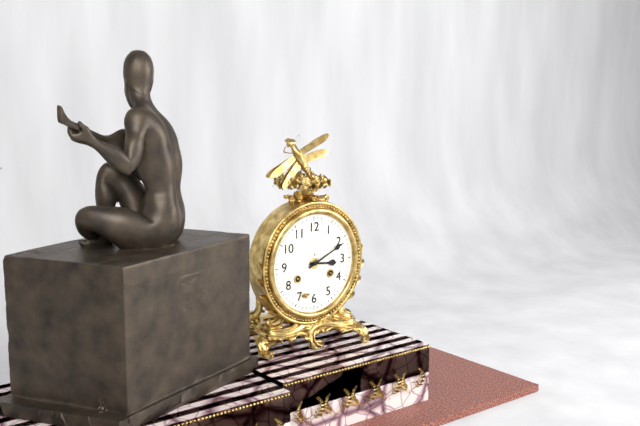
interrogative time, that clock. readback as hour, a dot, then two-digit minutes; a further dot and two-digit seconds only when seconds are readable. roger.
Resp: 3.11
